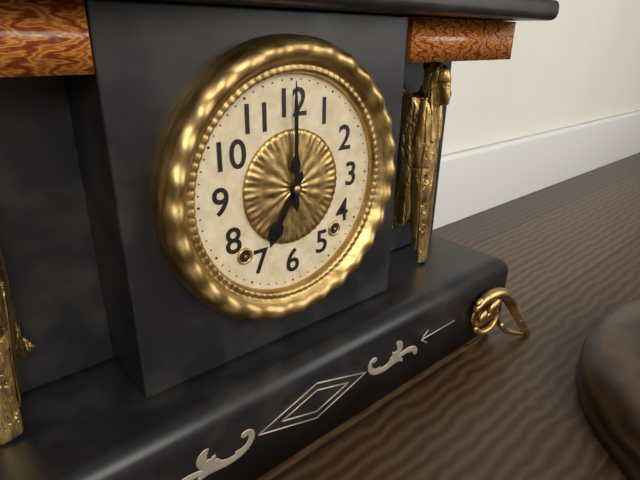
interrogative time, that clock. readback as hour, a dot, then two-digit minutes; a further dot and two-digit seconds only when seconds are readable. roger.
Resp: 7.00
